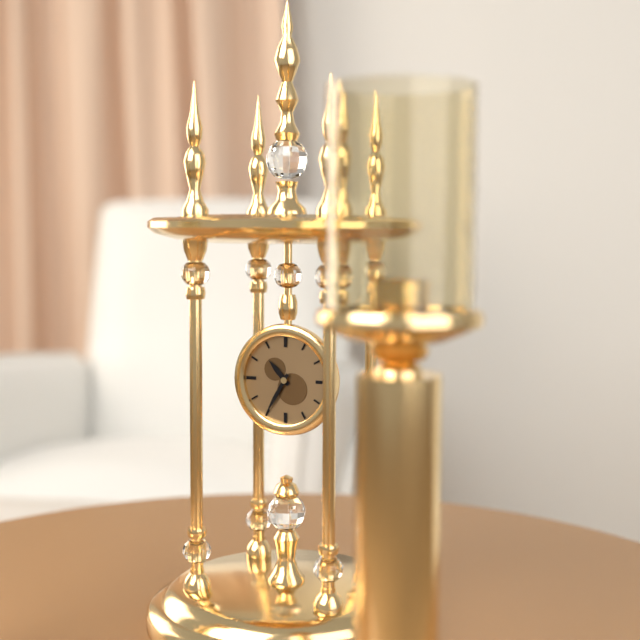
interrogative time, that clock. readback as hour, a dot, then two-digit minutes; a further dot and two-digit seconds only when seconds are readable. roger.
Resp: 10.35
